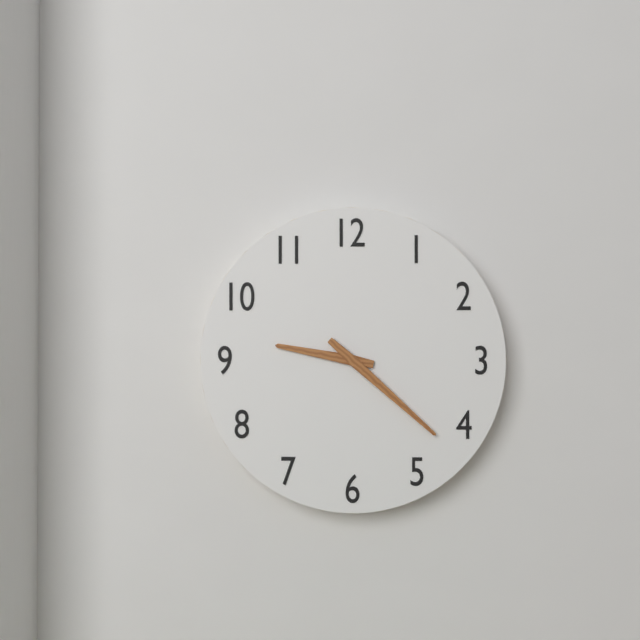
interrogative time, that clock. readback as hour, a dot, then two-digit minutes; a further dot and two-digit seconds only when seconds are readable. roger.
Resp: 9.22
